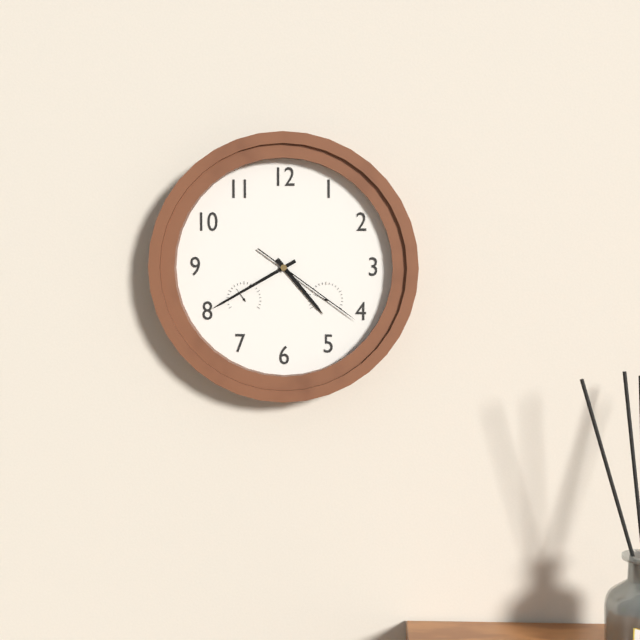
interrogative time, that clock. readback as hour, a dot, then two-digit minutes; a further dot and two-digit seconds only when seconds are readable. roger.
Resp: 4.40.21
